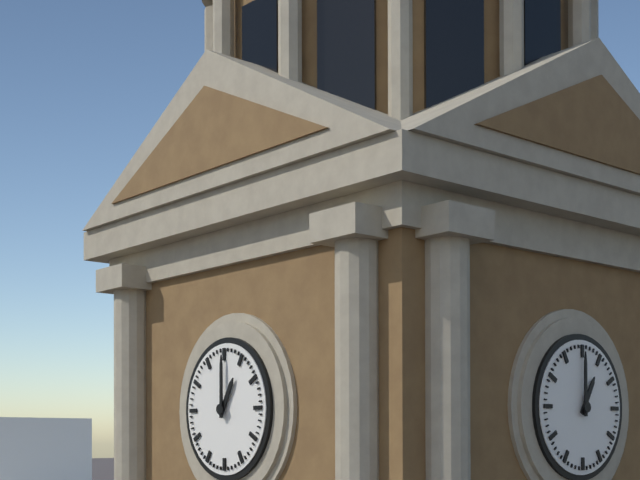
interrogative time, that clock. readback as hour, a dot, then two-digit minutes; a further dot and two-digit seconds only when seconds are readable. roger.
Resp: 1.00
